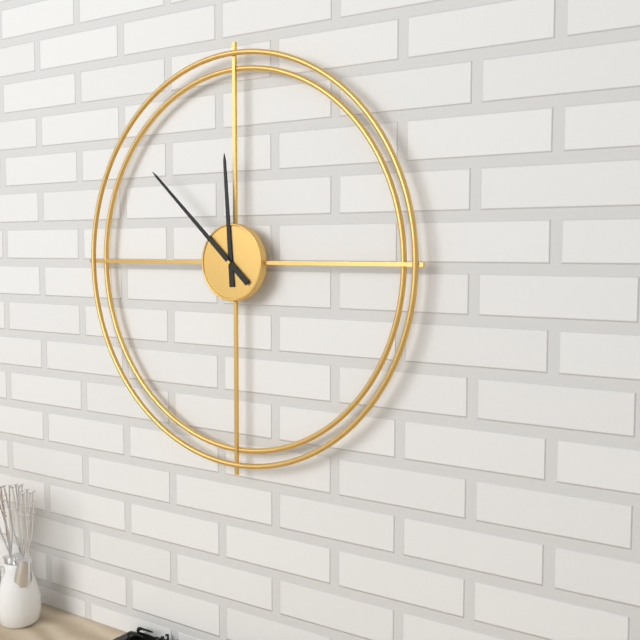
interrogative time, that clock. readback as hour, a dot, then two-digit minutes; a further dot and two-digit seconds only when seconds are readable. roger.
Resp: 11.52
